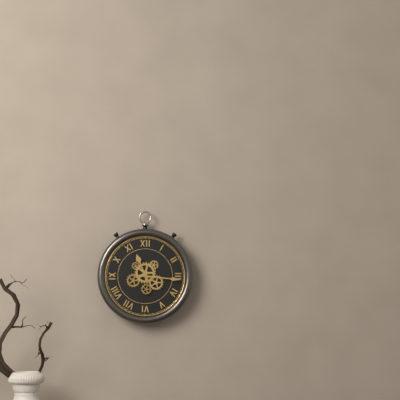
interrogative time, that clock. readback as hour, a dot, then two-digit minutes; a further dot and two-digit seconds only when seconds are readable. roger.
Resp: 11.16
